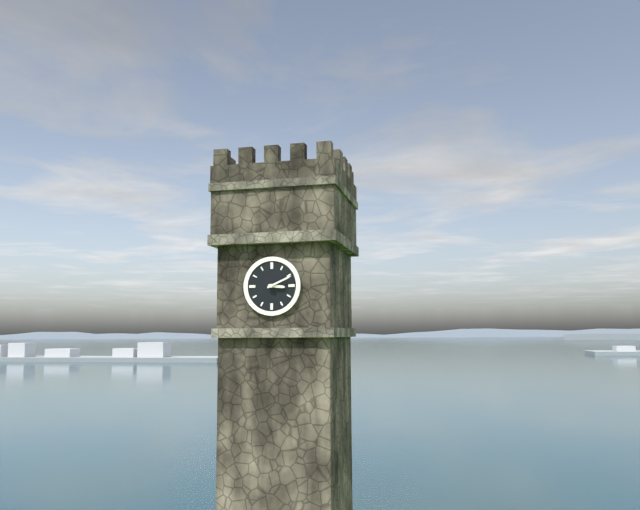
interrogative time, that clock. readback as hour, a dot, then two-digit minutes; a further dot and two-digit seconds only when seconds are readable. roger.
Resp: 3.11
